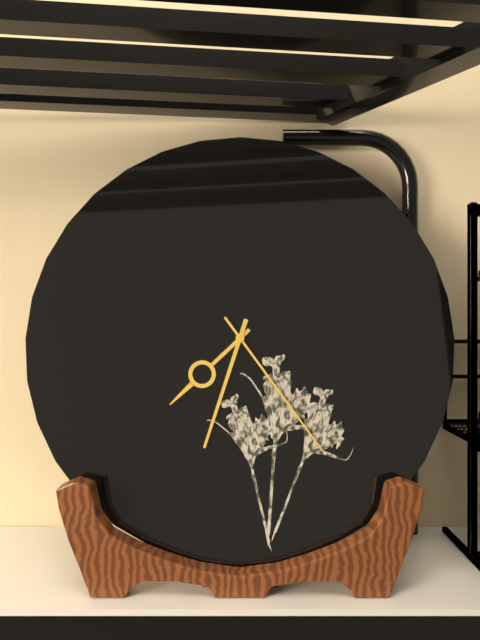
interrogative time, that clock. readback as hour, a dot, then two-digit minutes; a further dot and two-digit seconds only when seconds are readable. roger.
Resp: 7.33.24
